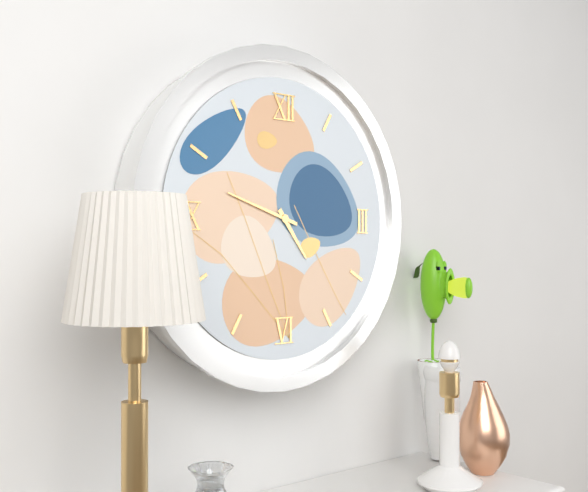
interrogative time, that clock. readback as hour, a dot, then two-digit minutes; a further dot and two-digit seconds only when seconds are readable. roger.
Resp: 4.48
